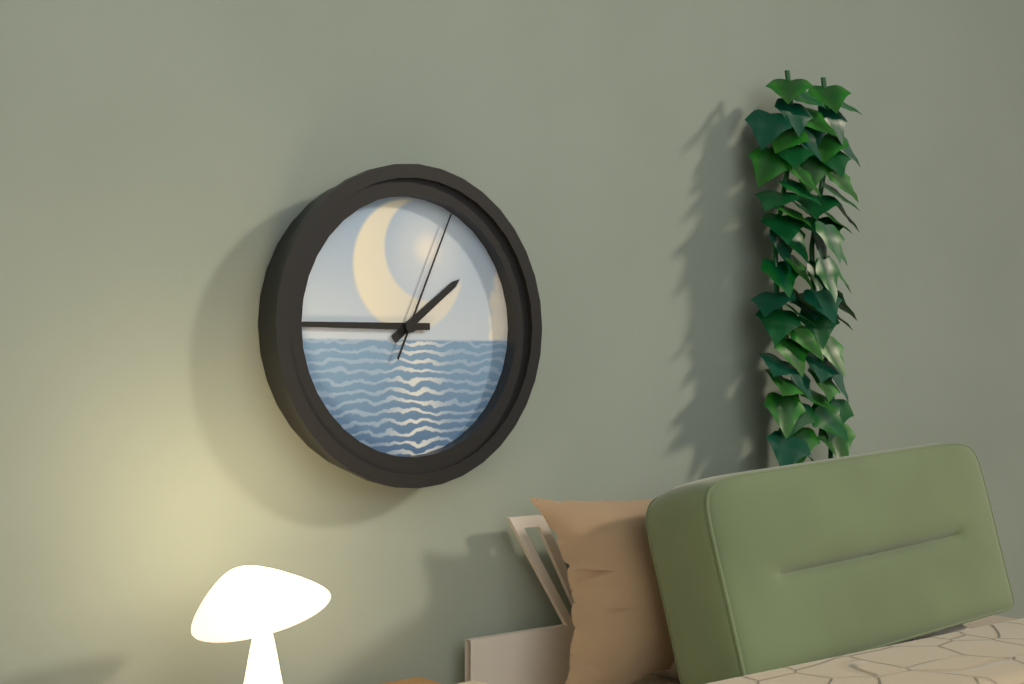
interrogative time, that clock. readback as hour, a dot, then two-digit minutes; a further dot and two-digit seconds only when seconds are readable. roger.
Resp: 1.45.04
